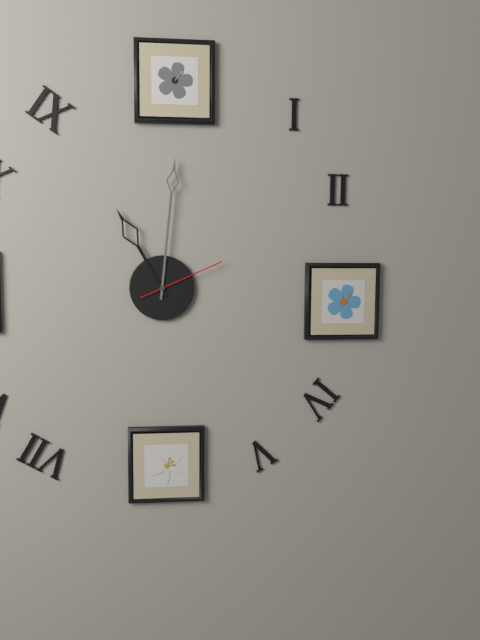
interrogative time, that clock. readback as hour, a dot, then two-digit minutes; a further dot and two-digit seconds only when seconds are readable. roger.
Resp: 11.01.11
